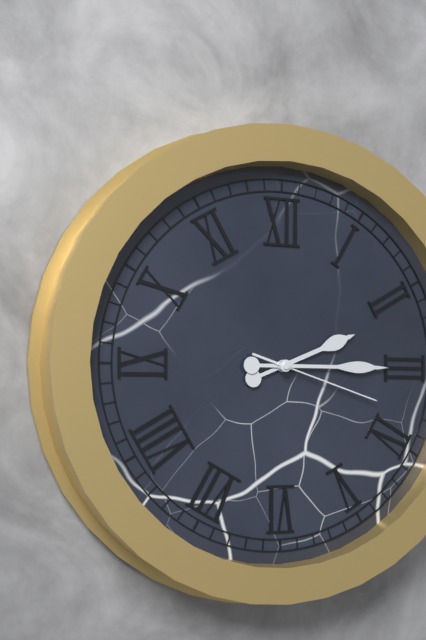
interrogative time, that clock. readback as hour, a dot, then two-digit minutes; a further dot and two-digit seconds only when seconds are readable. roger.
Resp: 2.15.18
